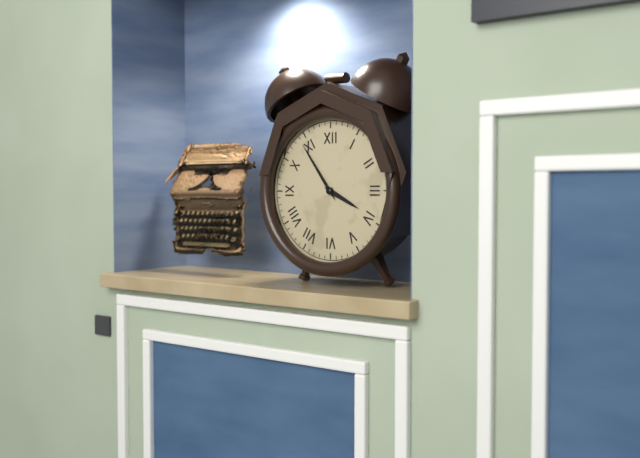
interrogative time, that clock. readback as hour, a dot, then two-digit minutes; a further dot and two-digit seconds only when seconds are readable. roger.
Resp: 3.54
